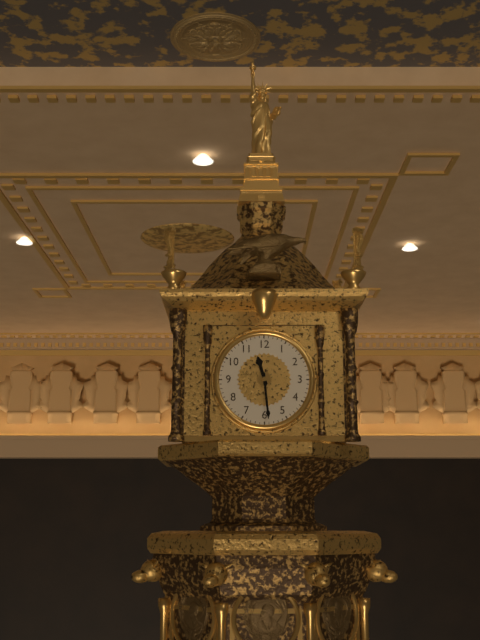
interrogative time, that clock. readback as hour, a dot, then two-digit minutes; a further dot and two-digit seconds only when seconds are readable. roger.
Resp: 11.29
